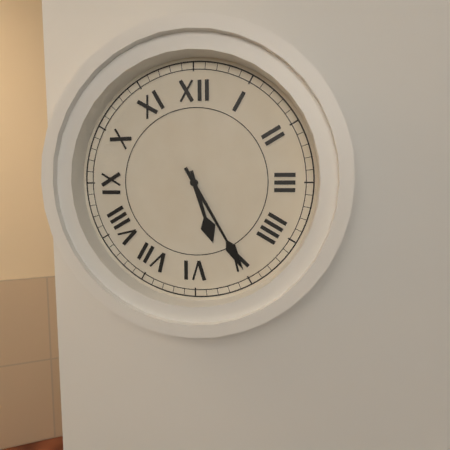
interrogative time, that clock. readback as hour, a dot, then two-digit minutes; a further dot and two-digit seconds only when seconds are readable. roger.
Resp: 5.25
